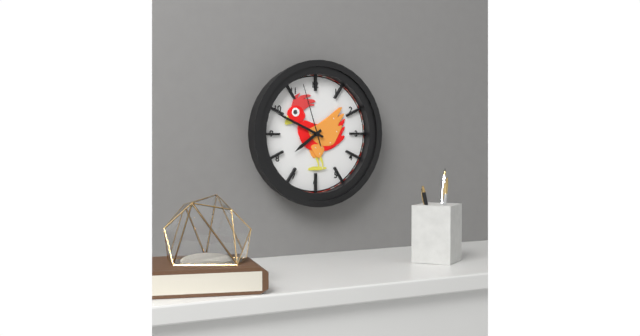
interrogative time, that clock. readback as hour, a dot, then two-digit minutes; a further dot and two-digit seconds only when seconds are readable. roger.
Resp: 7.49.57
